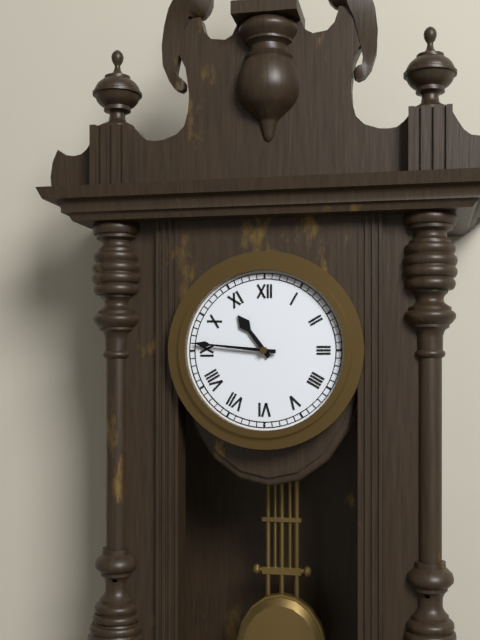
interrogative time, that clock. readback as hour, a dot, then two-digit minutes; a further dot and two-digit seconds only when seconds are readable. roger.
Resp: 10.46
